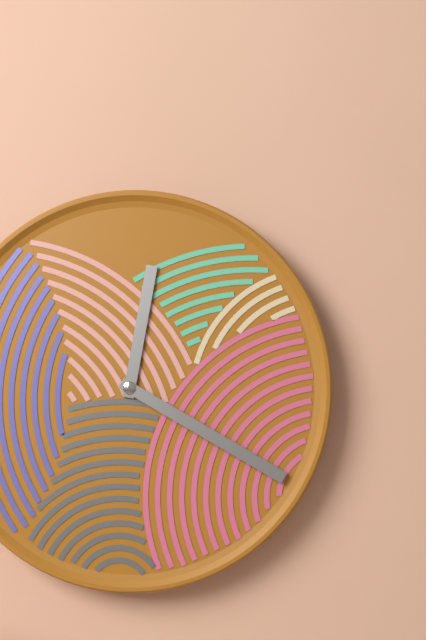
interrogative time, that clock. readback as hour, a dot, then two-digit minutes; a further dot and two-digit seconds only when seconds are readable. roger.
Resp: 12.20
